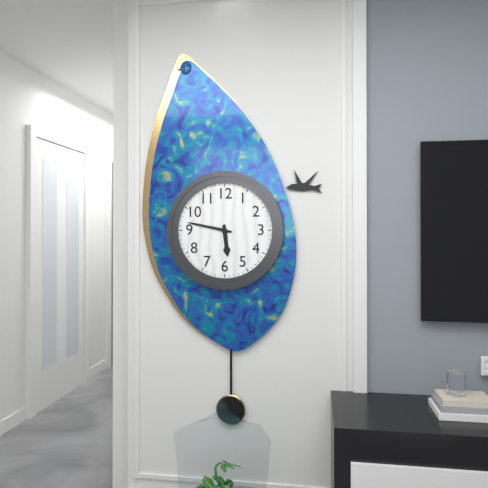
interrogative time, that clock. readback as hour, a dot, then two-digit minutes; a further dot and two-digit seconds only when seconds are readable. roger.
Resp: 5.47
